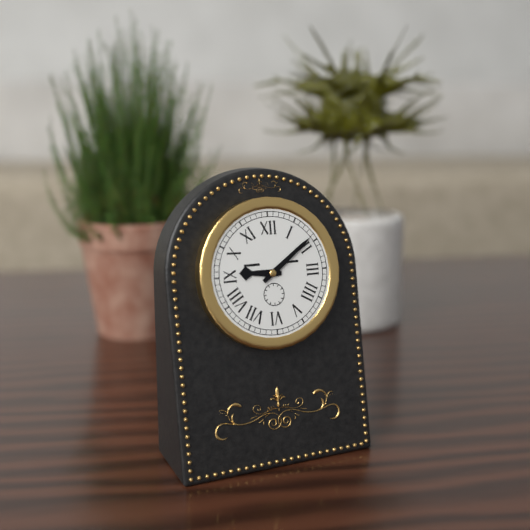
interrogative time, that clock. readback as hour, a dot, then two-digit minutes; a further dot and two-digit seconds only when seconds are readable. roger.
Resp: 9.09
